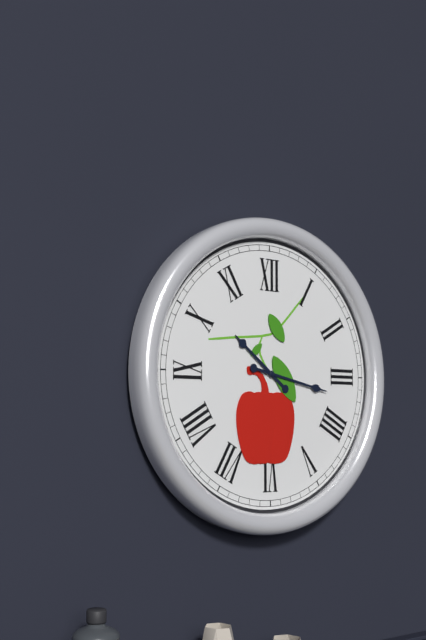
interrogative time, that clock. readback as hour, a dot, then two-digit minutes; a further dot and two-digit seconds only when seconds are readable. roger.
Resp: 10.17
